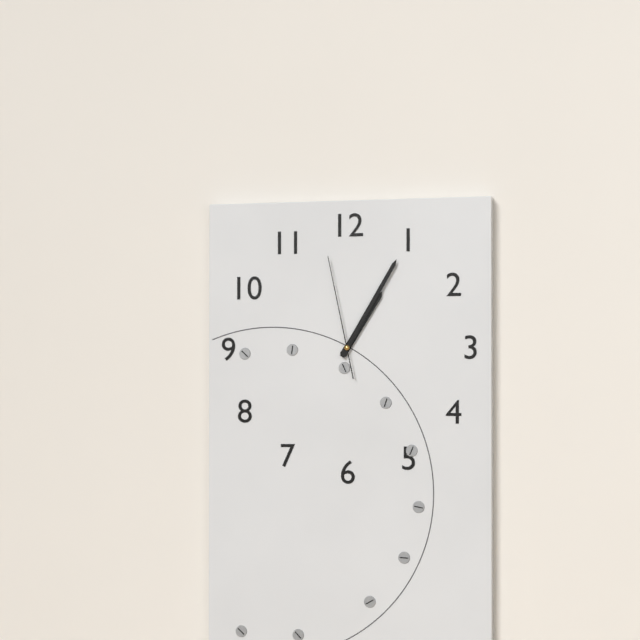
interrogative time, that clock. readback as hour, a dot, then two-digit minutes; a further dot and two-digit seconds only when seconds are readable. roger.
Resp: 1.05.58
